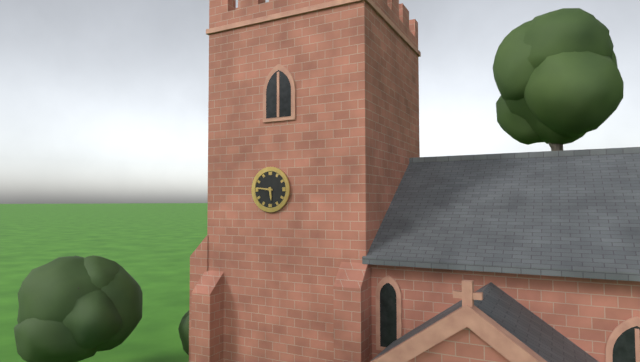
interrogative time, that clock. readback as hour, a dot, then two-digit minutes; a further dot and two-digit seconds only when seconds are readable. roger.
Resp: 5.46
